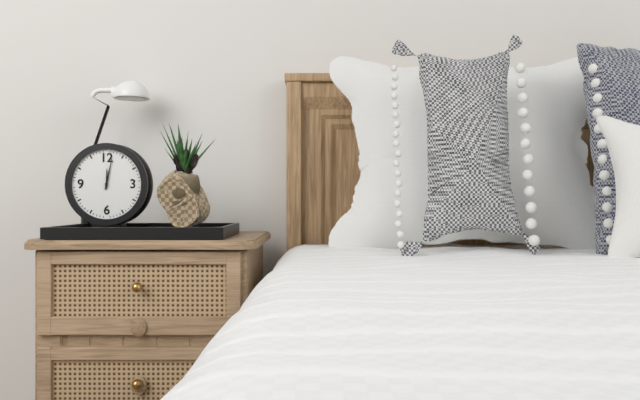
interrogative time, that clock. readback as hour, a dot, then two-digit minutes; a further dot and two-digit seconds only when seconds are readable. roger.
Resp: 12.02
